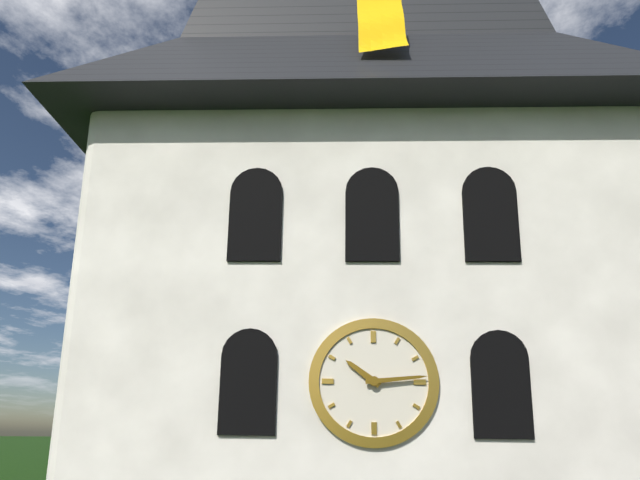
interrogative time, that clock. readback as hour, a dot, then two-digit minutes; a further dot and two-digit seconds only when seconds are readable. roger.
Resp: 10.14
